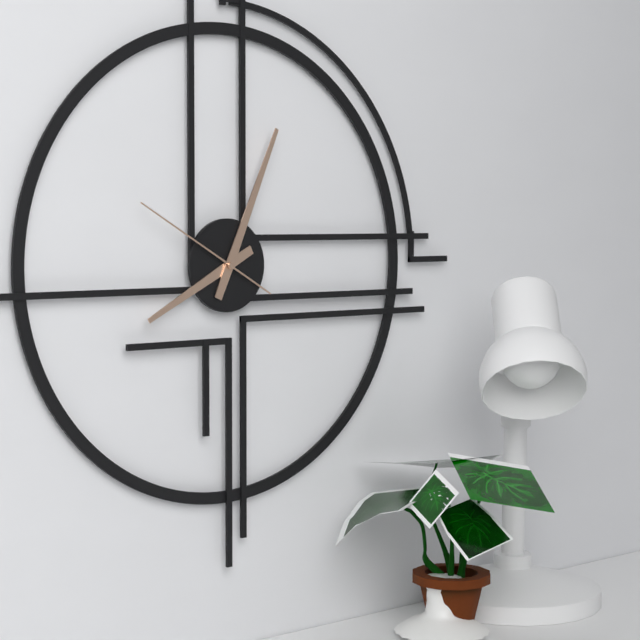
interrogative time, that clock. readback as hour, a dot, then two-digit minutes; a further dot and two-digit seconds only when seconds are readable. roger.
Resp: 8.04.50
